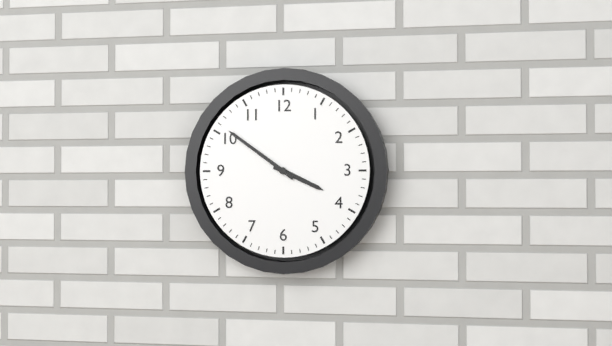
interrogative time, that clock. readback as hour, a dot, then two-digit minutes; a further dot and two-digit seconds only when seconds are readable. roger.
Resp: 3.51
